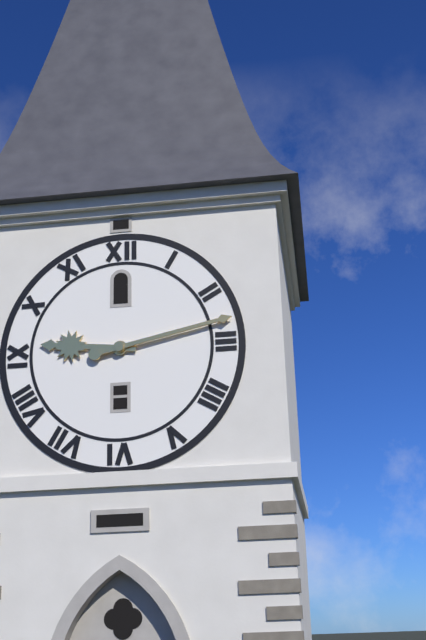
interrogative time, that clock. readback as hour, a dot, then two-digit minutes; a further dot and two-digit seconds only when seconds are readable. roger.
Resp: 9.13
